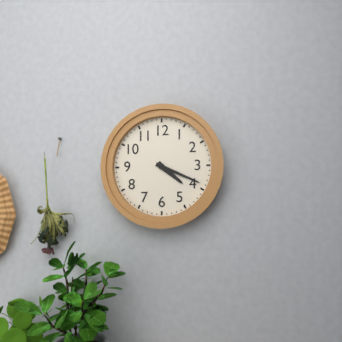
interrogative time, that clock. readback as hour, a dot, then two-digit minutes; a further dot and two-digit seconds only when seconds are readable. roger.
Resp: 4.19
